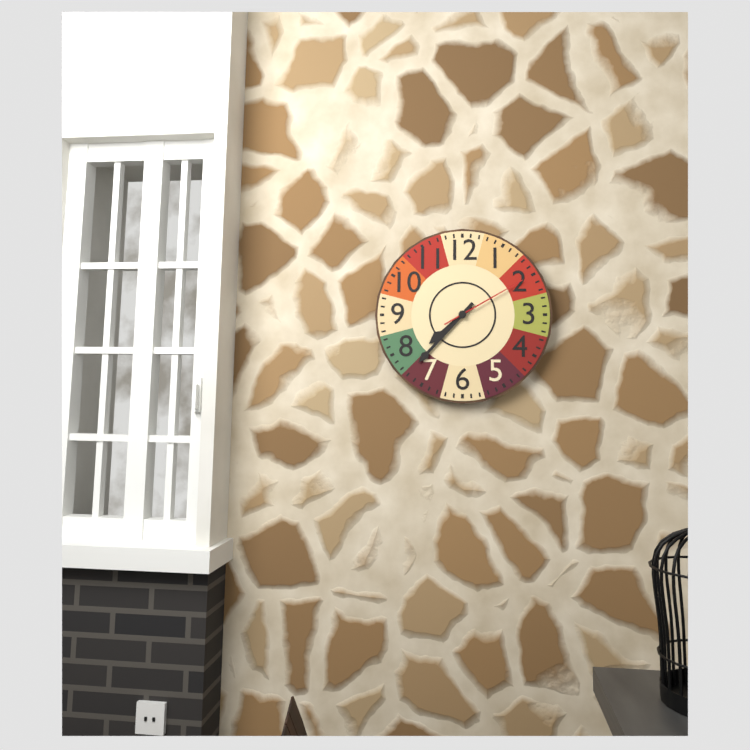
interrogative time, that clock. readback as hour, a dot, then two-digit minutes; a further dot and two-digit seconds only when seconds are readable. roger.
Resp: 7.37.10
